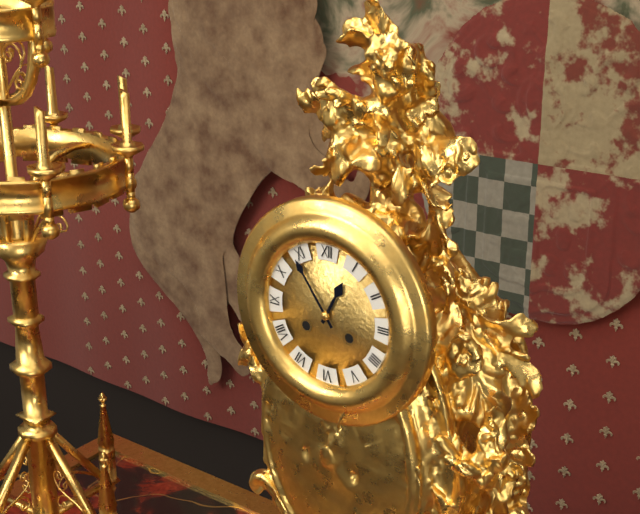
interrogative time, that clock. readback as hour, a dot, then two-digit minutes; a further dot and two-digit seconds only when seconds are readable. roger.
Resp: 12.54
